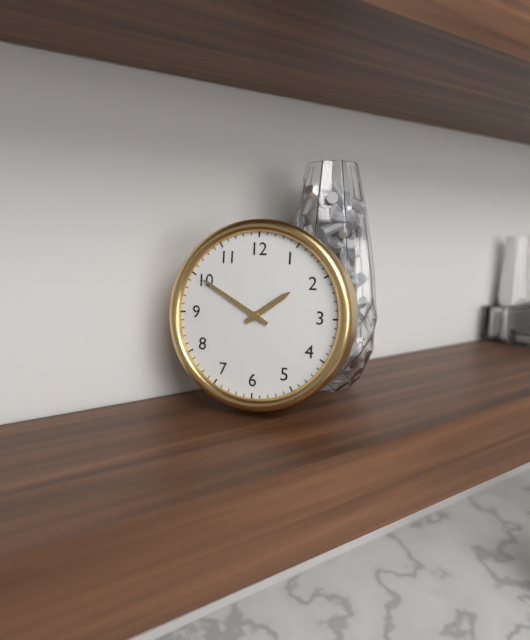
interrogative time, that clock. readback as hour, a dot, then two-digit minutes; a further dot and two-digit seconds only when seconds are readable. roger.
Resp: 1.50
